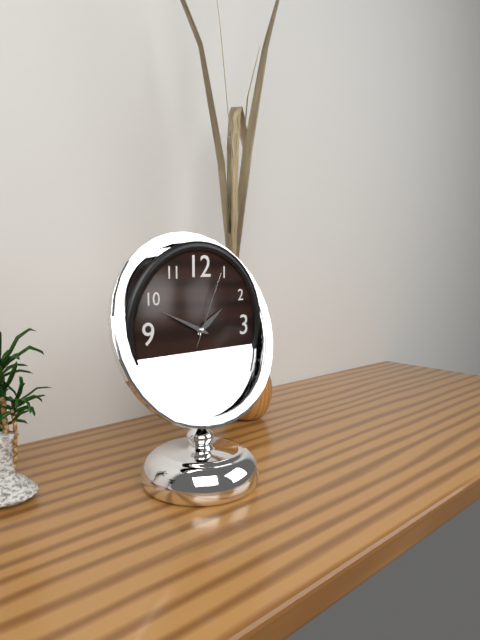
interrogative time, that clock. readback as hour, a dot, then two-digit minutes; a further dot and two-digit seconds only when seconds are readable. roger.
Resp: 1.49.04
